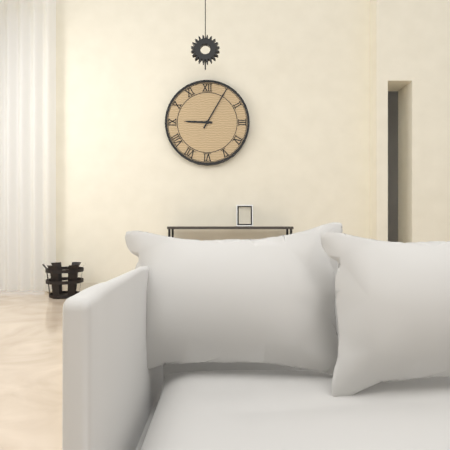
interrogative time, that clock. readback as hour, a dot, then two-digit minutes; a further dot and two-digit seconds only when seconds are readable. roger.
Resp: 9.05
